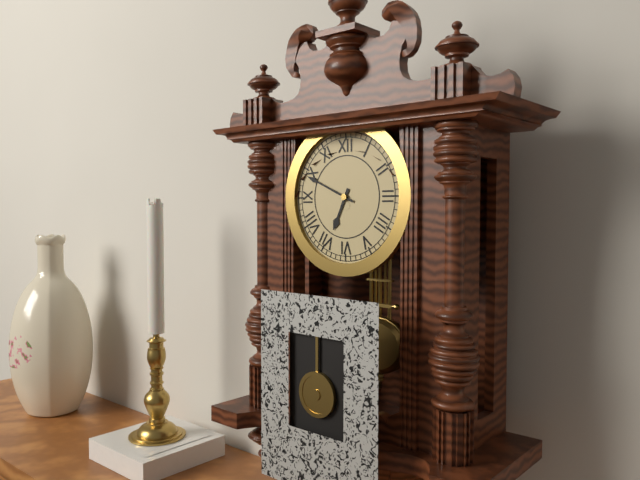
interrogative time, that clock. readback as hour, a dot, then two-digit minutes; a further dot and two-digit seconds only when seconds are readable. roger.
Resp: 6.49
